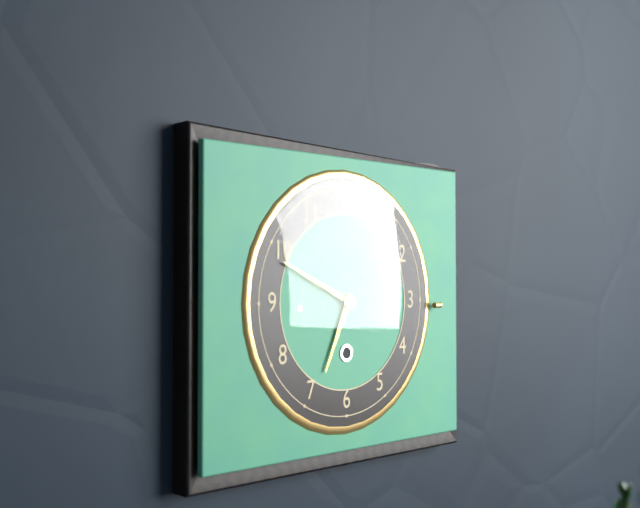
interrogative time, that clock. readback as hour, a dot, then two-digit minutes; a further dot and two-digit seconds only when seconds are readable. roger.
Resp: 6.49
